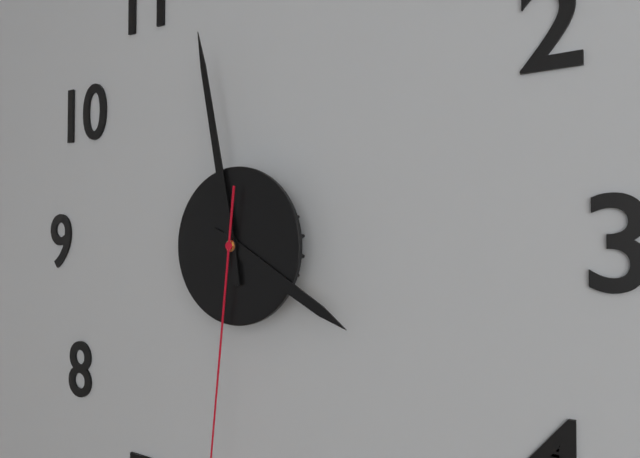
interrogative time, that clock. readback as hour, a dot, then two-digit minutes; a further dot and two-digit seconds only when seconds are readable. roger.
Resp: 3.58
